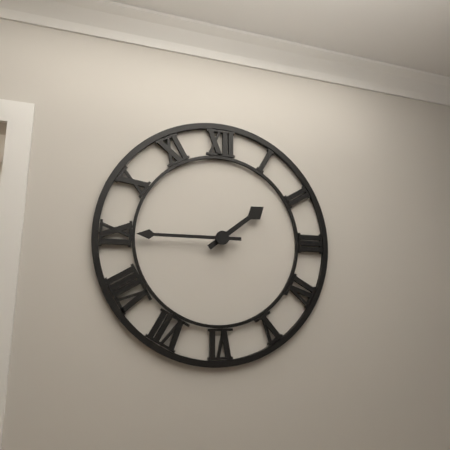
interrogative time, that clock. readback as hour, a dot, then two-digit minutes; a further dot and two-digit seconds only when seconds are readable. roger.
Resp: 1.45
